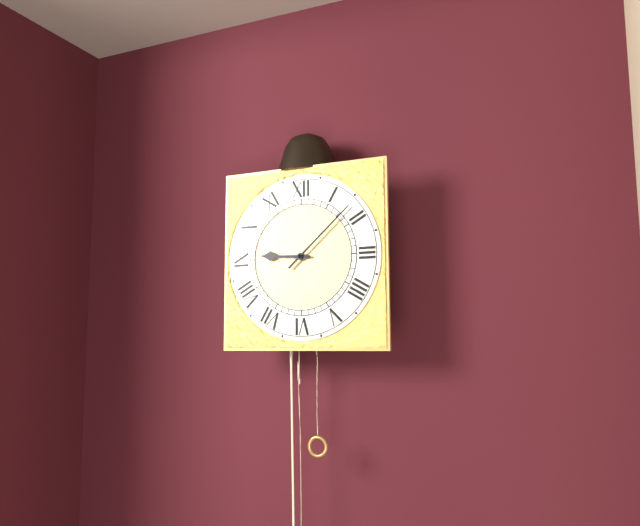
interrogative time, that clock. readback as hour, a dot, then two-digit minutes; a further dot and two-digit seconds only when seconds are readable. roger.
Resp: 9.08
